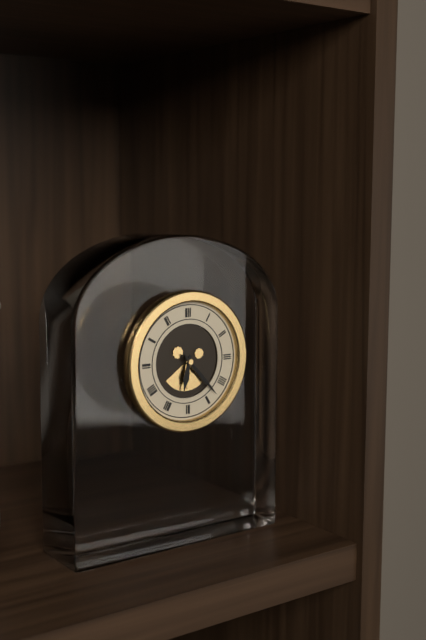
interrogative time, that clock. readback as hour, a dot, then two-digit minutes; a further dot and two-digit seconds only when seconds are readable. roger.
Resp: 6.23
